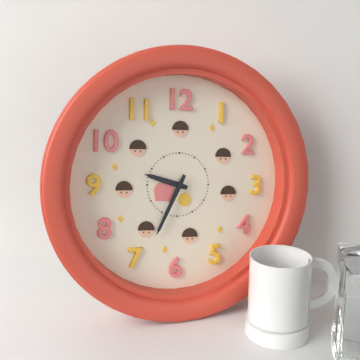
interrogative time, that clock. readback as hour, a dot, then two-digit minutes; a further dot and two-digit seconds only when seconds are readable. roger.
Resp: 9.34
